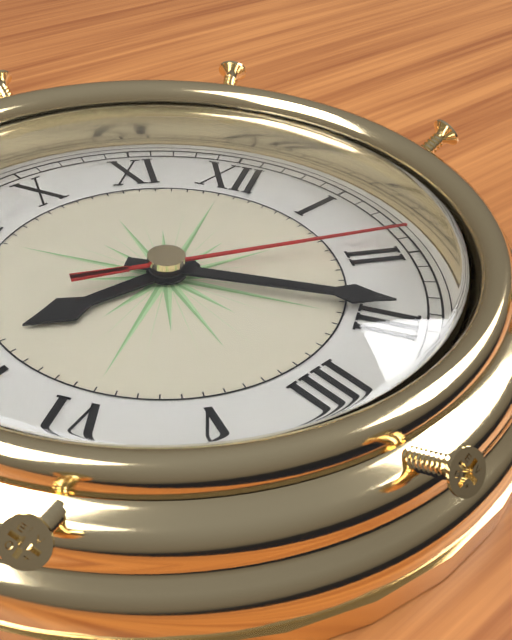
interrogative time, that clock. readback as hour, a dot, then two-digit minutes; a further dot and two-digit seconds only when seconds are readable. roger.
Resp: 7.14.09
